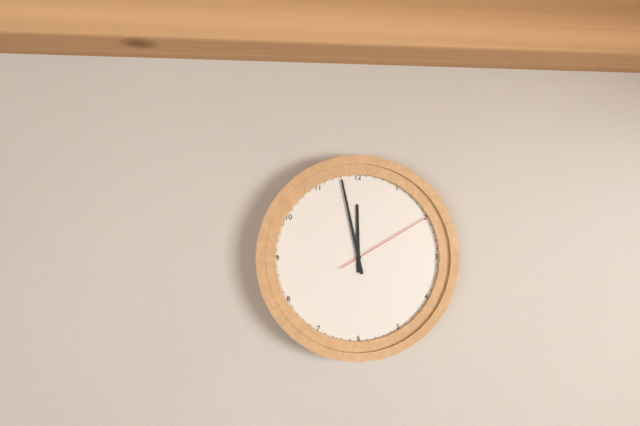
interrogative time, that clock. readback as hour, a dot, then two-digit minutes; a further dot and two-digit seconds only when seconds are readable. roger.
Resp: 11.58.10
